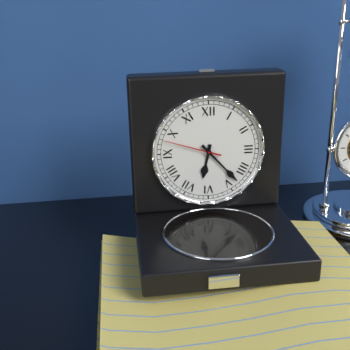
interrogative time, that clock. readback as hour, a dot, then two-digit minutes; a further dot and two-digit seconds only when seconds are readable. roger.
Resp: 6.23.48
